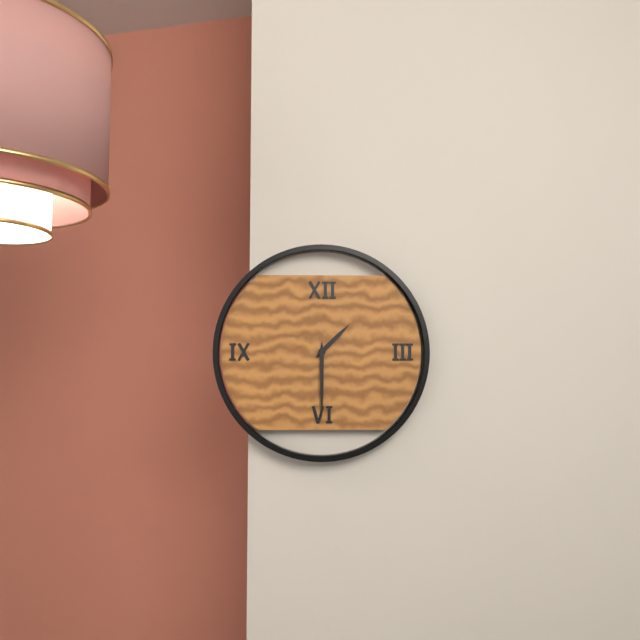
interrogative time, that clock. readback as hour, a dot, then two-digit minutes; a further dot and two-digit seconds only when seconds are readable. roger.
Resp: 1.30
